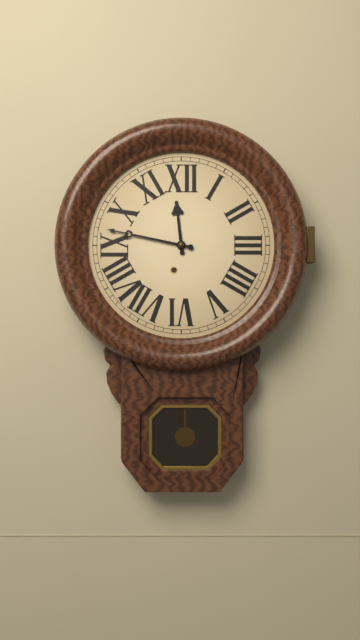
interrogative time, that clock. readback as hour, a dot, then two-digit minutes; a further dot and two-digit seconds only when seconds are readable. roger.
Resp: 11.47
